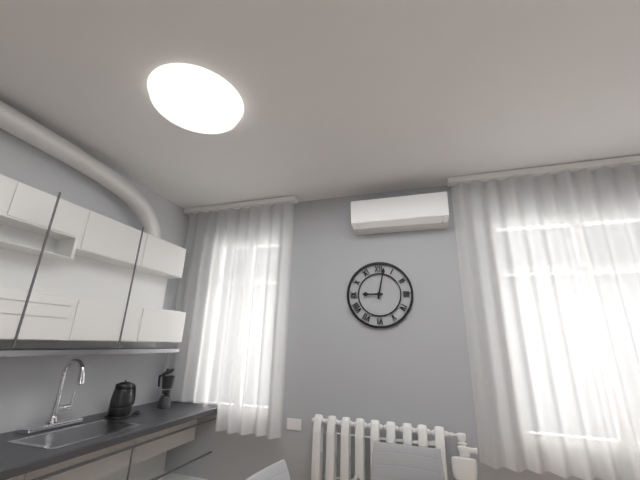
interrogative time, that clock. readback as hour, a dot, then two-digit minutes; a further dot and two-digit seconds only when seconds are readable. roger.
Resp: 9.02
